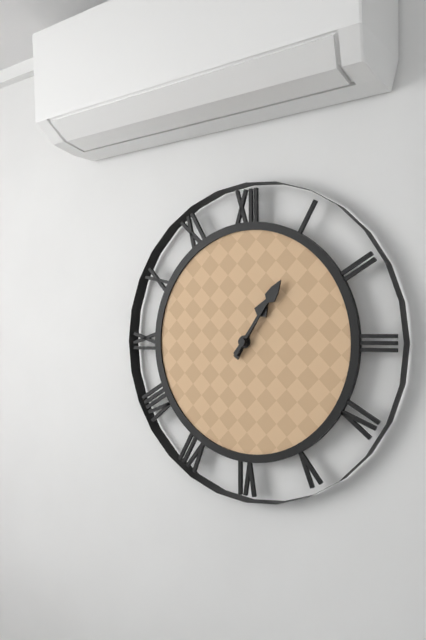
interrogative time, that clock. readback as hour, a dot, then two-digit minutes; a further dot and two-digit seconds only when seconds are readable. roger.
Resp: 1.06
